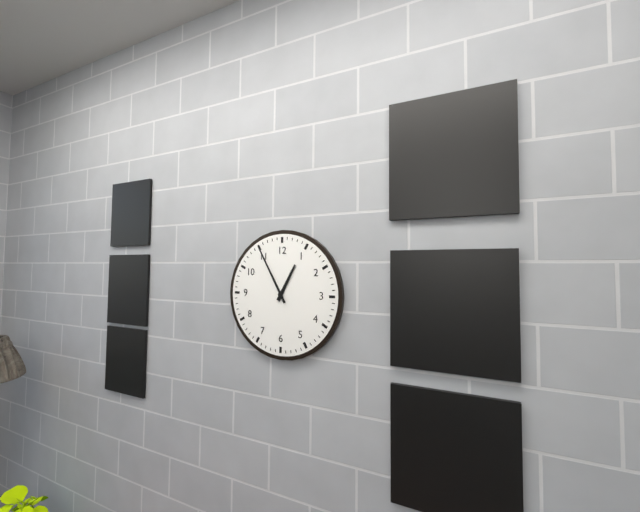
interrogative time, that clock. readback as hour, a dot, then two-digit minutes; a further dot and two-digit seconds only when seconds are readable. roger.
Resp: 12.55
